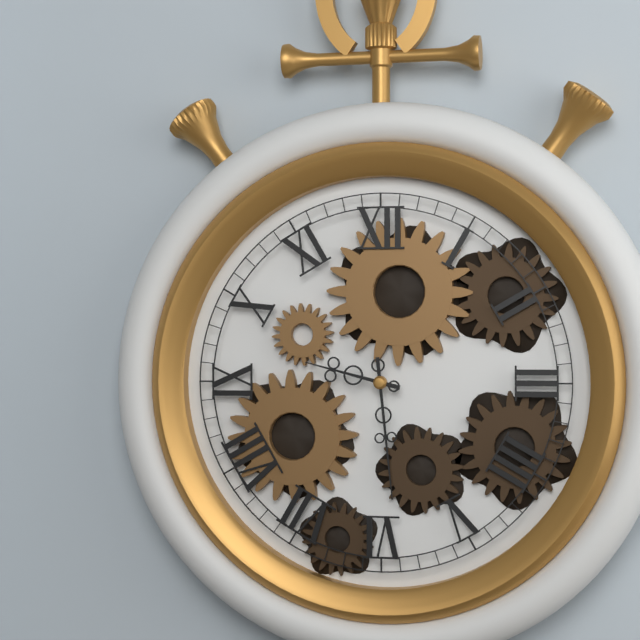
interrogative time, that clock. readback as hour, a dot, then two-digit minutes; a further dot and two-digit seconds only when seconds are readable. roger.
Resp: 9.29
